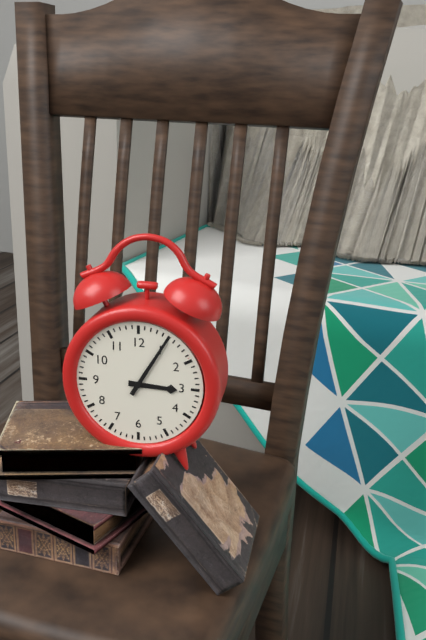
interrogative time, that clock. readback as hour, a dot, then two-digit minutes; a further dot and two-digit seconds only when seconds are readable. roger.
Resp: 3.05
